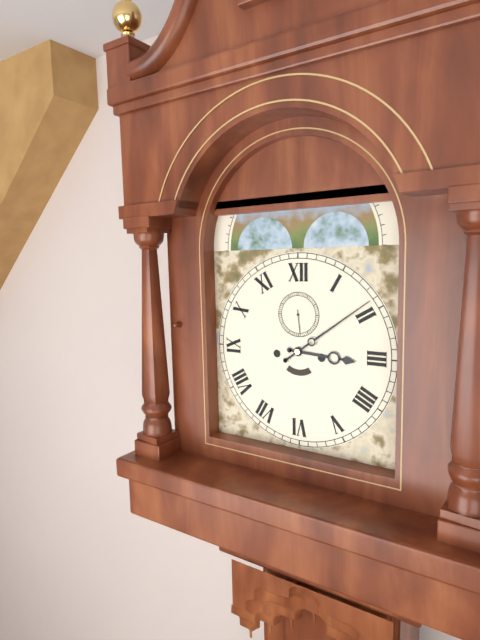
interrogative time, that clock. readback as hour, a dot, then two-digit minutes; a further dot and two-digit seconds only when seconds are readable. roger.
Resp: 3.09
